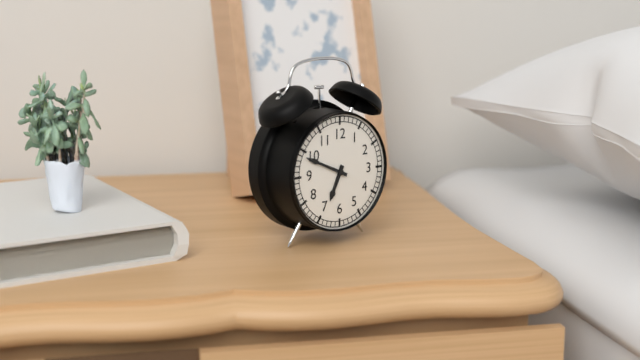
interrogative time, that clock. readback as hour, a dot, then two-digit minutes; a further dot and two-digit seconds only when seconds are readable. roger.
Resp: 6.49
